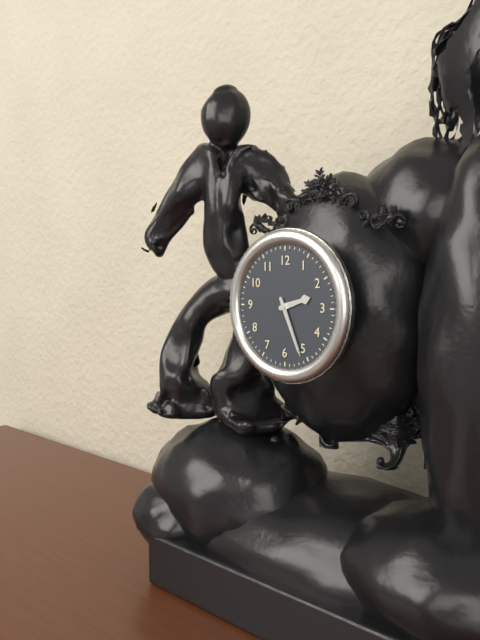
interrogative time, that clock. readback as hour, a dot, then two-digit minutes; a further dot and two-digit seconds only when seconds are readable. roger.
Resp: 2.26
